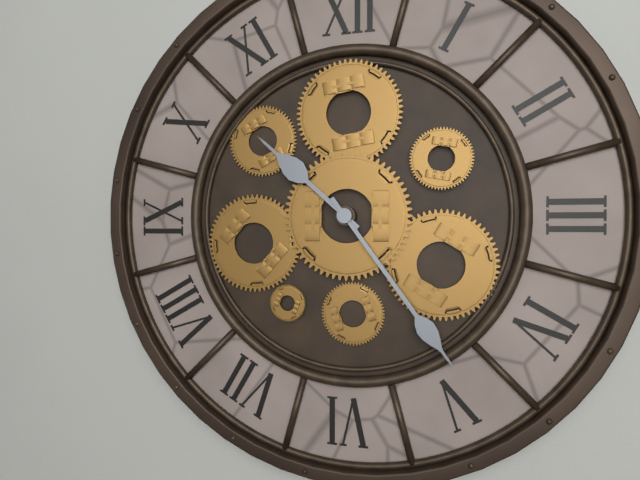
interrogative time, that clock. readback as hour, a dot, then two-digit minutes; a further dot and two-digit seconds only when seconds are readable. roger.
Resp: 10.24
